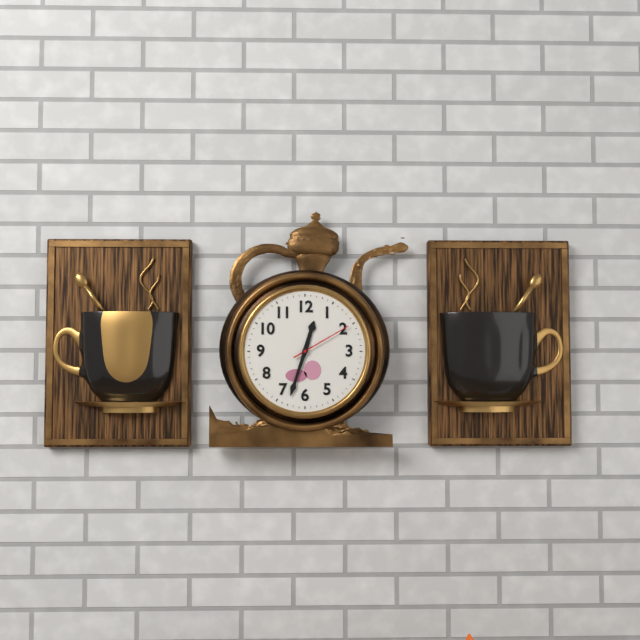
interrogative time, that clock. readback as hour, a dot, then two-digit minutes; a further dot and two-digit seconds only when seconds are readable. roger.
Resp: 12.33.10
